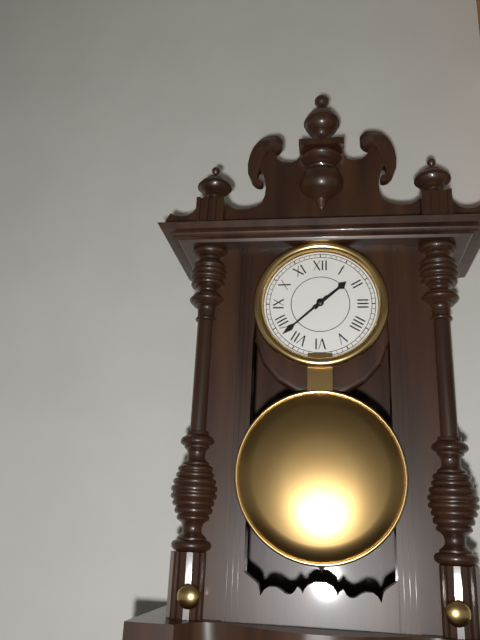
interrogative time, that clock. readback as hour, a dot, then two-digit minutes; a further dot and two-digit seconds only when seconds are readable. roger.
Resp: 1.38
